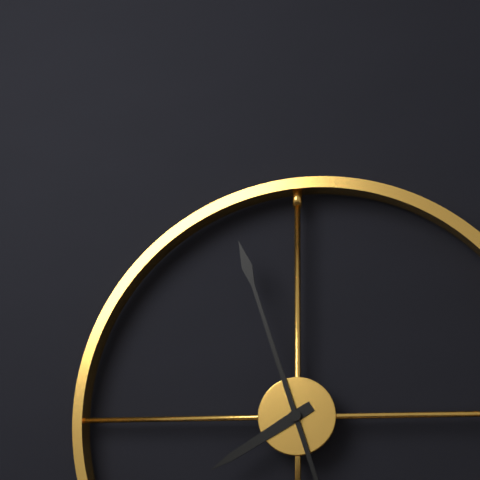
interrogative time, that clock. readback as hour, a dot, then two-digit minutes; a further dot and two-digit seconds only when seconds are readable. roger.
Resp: 7.57
